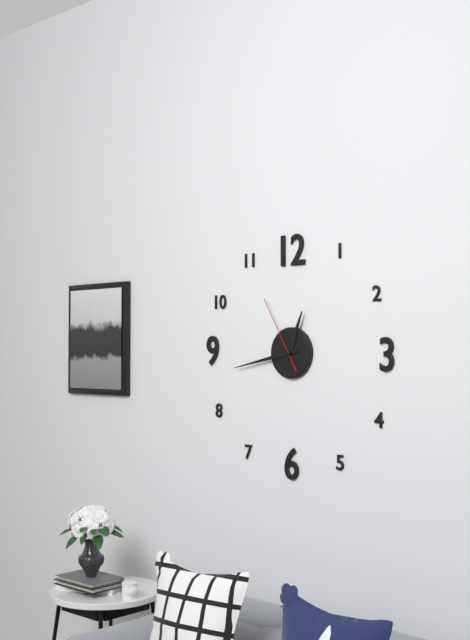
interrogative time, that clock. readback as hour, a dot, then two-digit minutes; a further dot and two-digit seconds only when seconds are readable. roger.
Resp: 12.43.55
